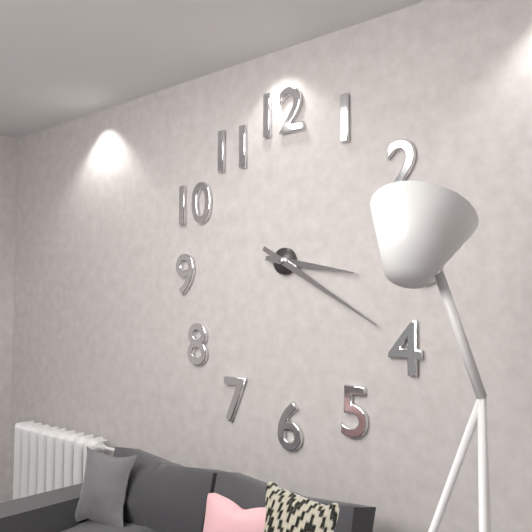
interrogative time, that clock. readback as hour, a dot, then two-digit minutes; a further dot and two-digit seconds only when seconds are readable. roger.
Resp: 3.20
